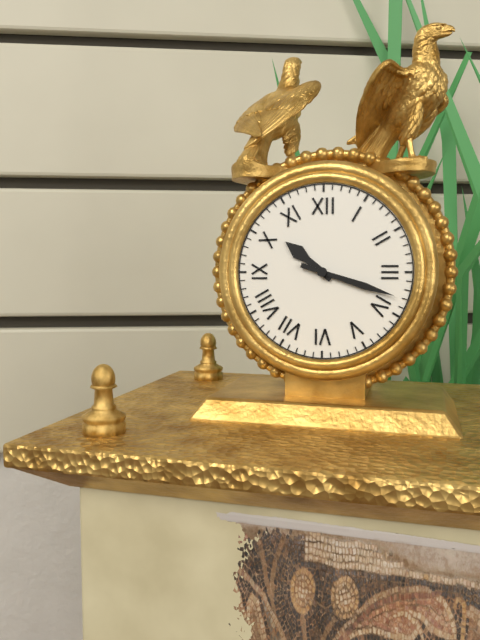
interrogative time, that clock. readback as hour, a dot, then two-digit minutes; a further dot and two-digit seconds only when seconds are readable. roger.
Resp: 10.18
